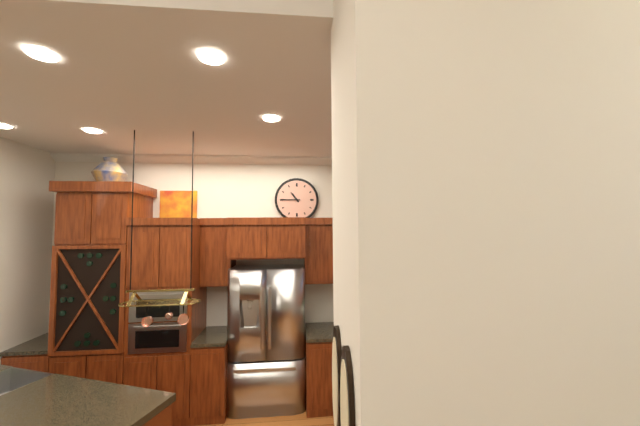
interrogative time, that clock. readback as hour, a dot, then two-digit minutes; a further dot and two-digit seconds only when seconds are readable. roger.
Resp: 10.45
